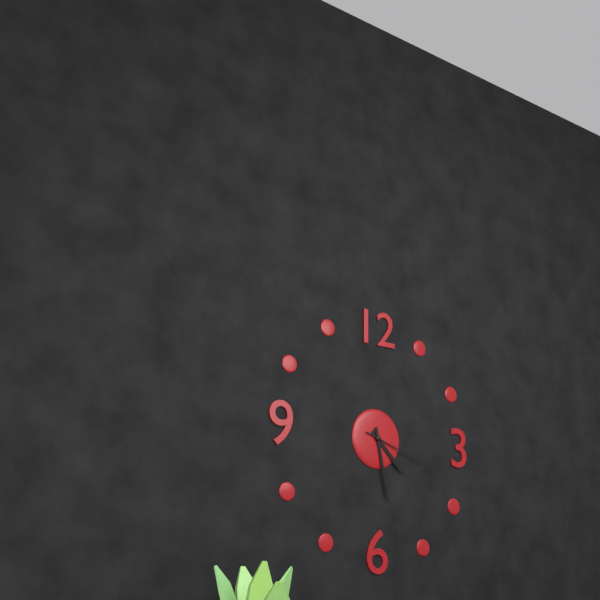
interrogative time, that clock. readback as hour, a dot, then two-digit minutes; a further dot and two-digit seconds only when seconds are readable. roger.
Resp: 4.28.18
